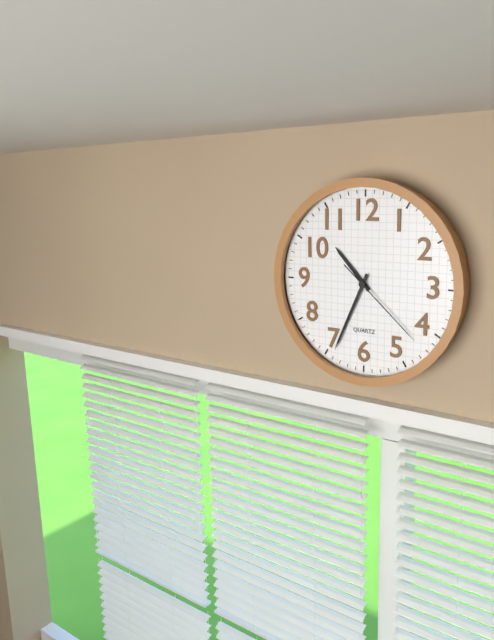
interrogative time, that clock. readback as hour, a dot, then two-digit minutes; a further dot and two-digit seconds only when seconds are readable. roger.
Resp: 10.34.22
